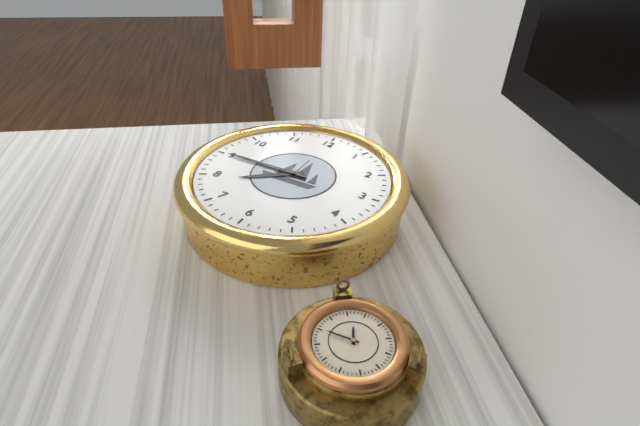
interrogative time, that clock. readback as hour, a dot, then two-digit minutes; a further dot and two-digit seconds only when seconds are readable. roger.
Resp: 7.45
